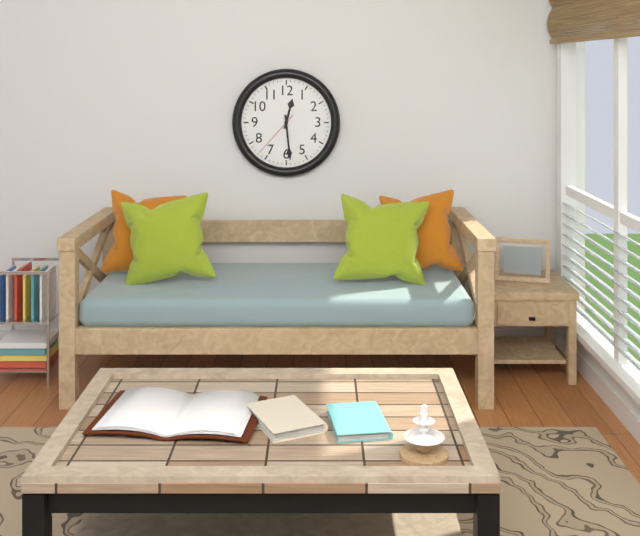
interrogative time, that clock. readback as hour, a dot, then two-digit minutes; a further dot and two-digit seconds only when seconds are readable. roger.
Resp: 12.29.37
